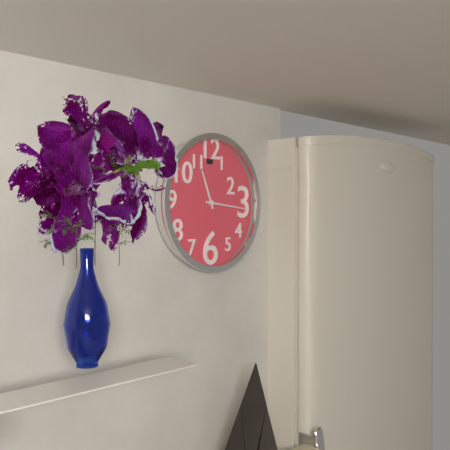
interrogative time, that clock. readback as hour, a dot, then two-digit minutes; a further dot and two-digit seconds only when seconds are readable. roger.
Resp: 11.16
